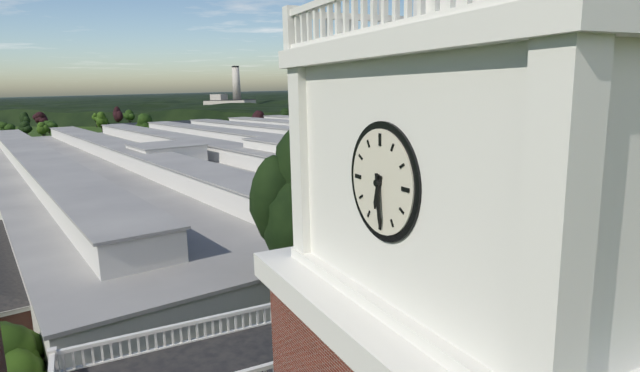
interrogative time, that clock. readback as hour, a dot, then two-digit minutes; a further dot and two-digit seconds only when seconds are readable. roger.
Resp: 6.29
